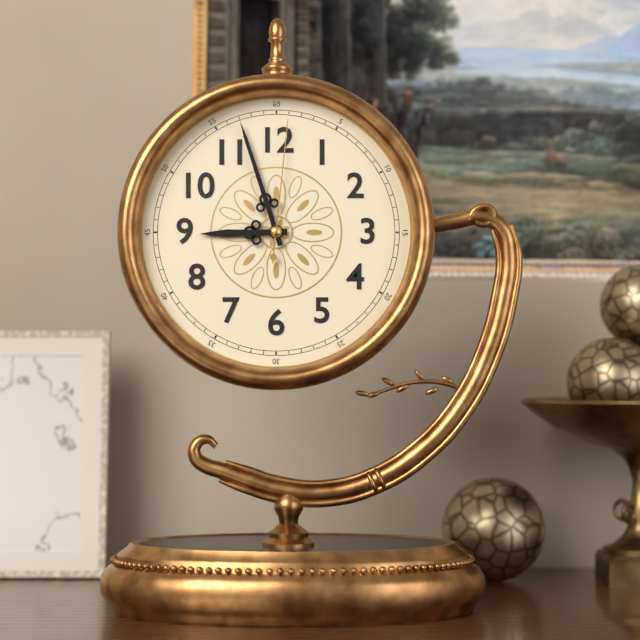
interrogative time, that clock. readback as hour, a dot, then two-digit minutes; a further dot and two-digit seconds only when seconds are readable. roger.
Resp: 8.57.01
